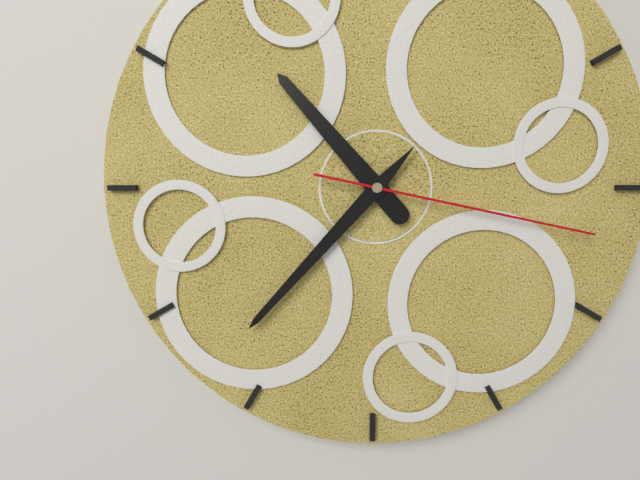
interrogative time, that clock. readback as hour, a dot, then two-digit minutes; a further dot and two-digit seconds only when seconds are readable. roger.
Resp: 10.37.17
